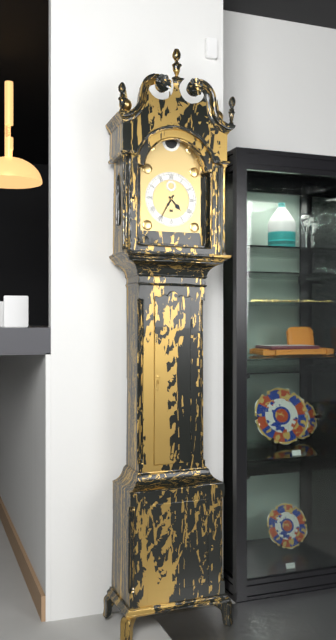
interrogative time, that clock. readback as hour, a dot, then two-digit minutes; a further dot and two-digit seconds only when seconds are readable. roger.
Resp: 4.35
